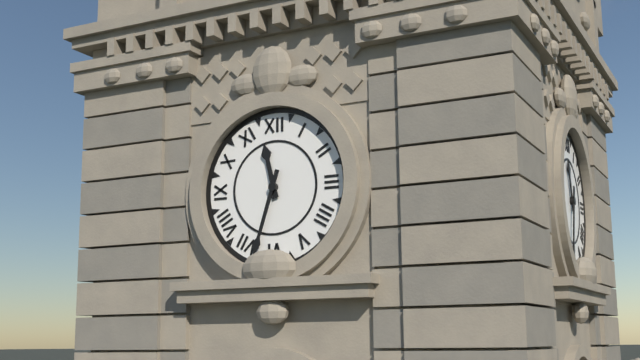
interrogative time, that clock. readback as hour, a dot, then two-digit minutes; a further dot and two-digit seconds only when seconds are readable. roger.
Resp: 11.33
